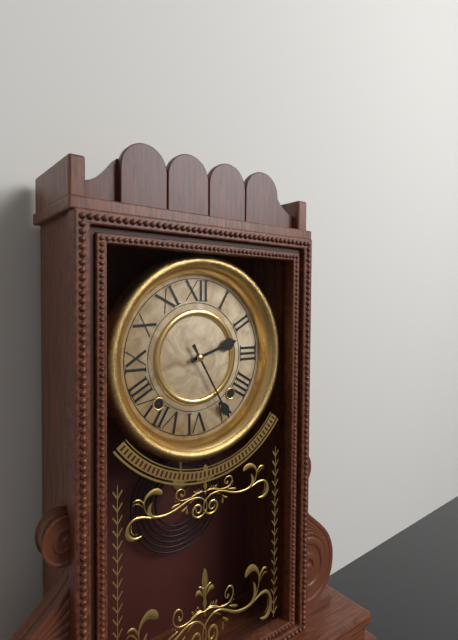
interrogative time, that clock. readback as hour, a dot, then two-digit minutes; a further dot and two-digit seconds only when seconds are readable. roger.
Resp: 2.25
